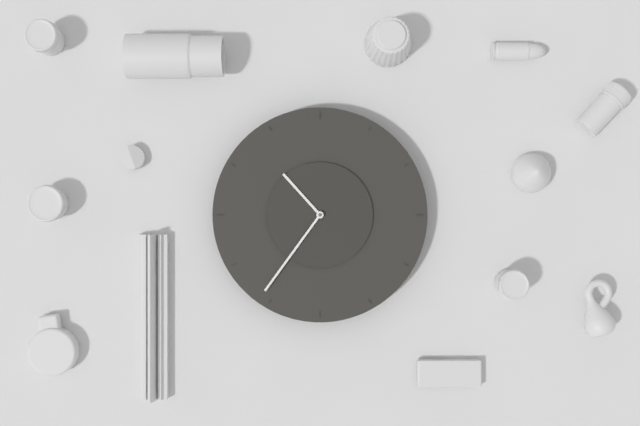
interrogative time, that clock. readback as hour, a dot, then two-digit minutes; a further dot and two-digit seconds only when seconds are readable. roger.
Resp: 10.36
